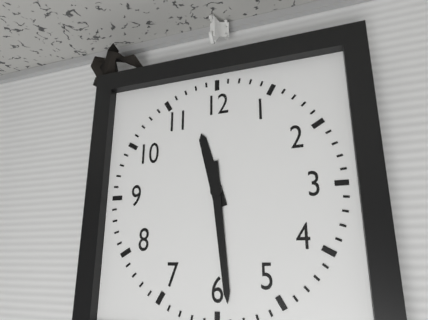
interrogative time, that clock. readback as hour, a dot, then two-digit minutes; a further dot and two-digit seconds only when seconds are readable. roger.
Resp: 11.29
